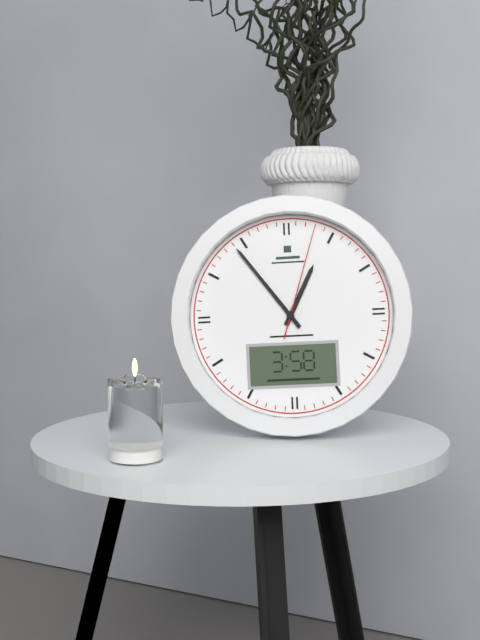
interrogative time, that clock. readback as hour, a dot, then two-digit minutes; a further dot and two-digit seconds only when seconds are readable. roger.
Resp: 12.54.03
